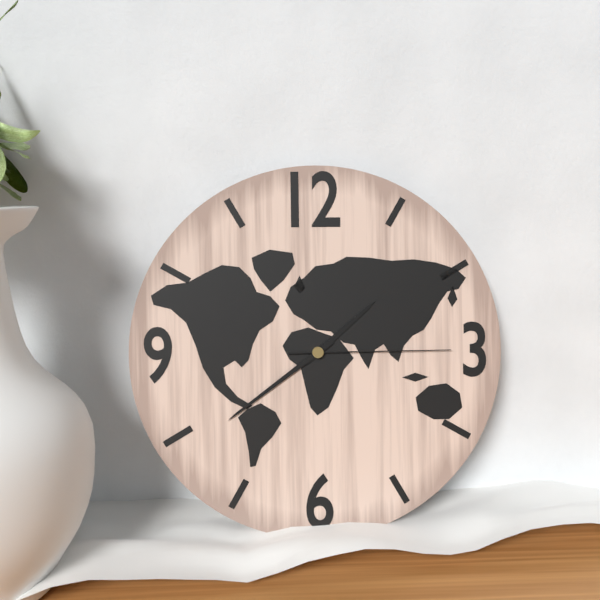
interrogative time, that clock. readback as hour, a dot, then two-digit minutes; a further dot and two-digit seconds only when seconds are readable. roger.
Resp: 1.39.15
